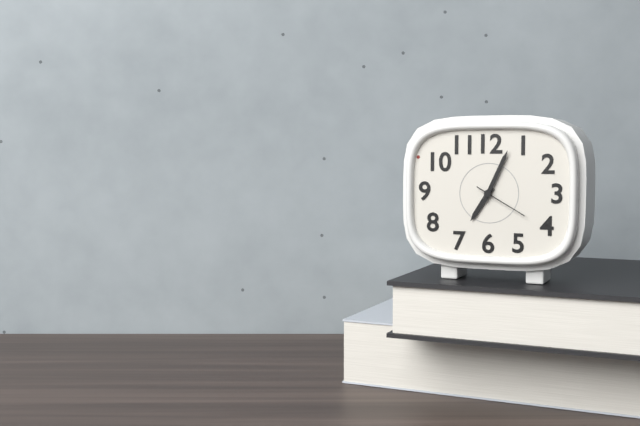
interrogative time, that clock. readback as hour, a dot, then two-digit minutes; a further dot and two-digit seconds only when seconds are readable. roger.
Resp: 7.04.20
